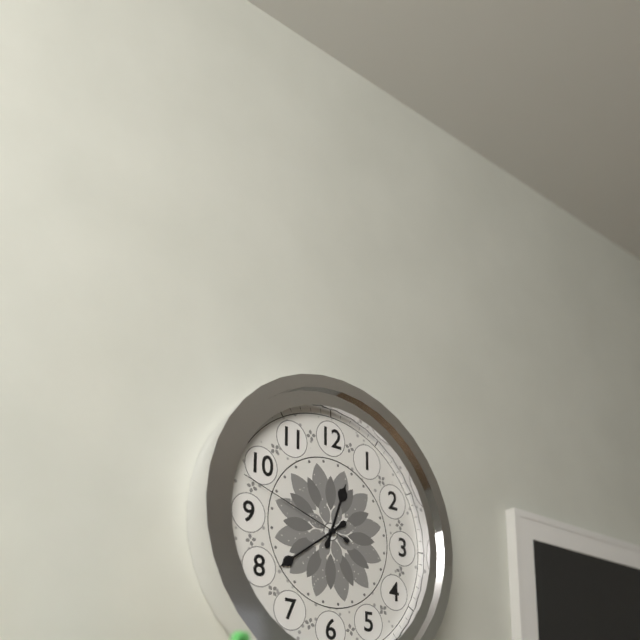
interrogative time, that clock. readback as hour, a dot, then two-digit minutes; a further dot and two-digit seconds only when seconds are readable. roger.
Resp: 12.39.48
